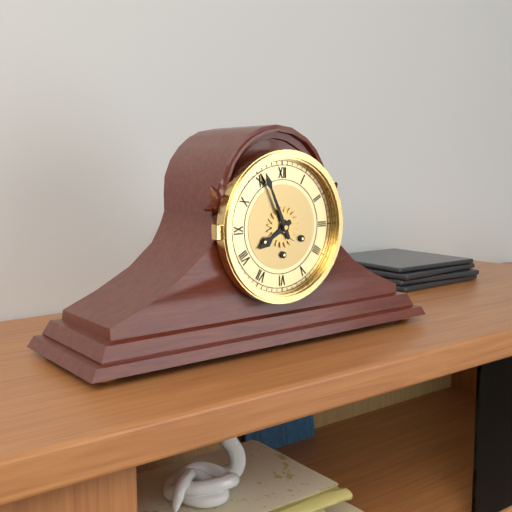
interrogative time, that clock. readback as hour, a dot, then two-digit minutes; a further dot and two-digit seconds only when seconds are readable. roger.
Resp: 7.56
